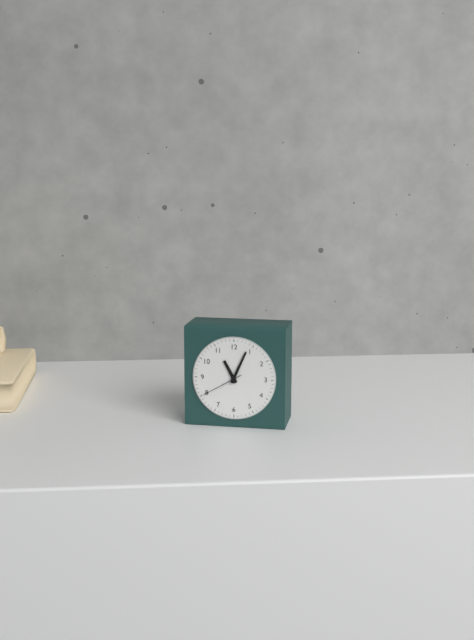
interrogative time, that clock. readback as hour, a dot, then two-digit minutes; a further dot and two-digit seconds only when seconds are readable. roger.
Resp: 11.04
